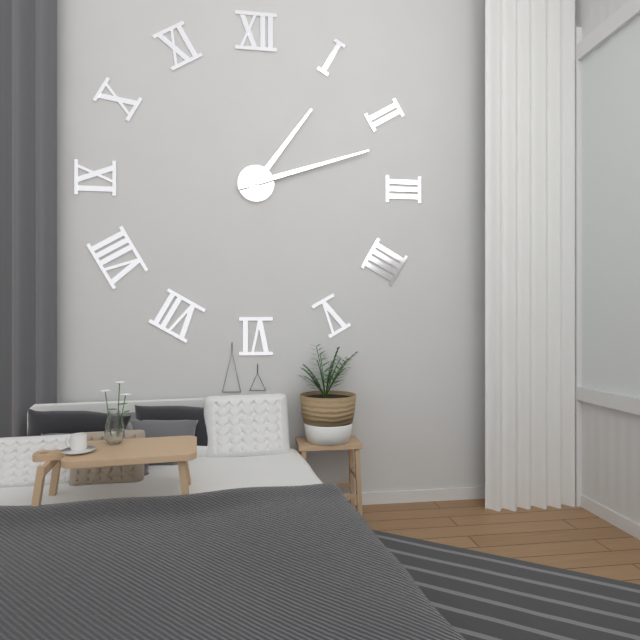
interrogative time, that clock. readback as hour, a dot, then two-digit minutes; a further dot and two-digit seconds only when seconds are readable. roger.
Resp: 1.12
